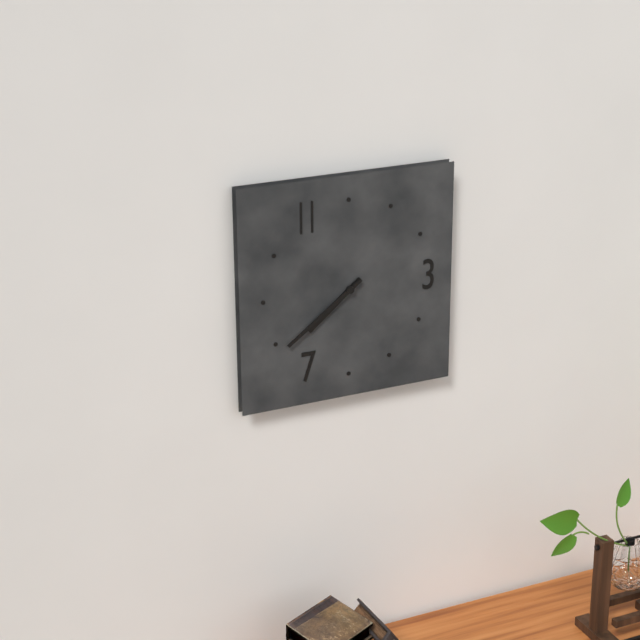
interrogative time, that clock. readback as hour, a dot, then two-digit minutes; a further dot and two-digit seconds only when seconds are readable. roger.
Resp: 7.39
